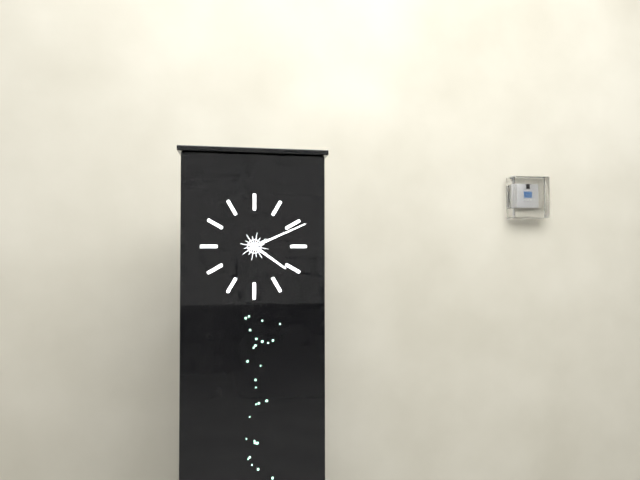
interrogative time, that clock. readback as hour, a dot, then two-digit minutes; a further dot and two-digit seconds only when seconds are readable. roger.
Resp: 4.11
